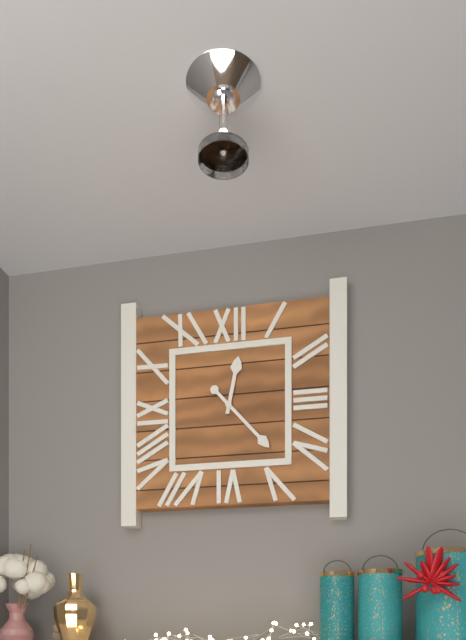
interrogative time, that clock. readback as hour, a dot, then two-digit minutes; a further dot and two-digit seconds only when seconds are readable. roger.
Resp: 12.23
